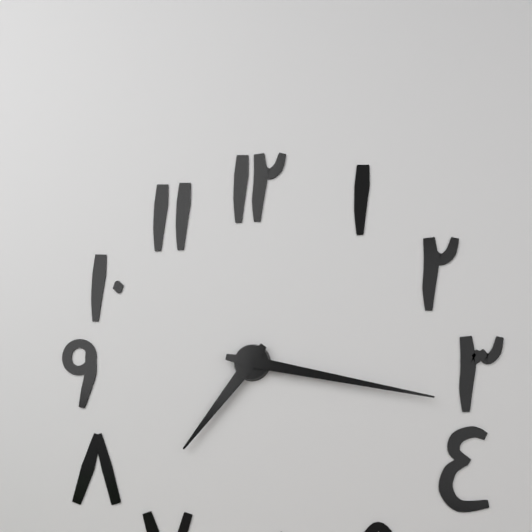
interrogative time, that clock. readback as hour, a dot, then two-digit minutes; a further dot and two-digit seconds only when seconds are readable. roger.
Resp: 7.17
